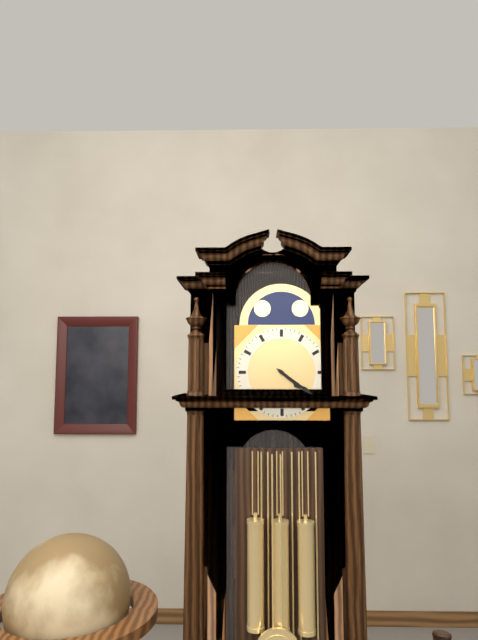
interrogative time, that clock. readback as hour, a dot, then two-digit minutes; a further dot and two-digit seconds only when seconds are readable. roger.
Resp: 4.21
